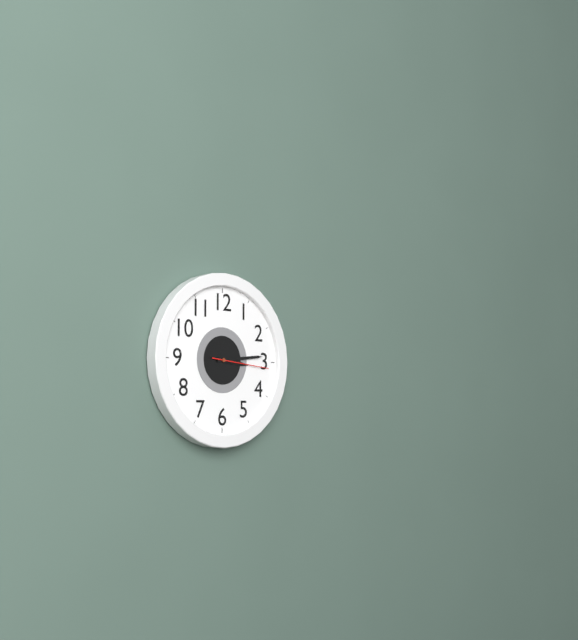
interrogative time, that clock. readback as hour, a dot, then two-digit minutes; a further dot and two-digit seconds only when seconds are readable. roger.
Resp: 3.14.16
